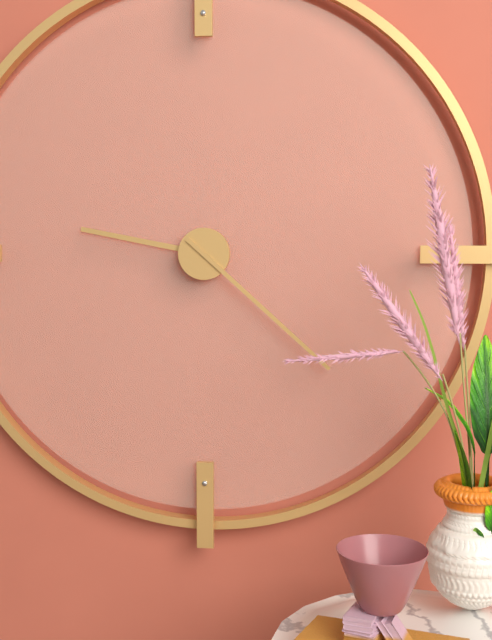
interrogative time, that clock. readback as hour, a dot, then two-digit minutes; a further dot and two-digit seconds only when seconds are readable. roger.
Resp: 9.22
